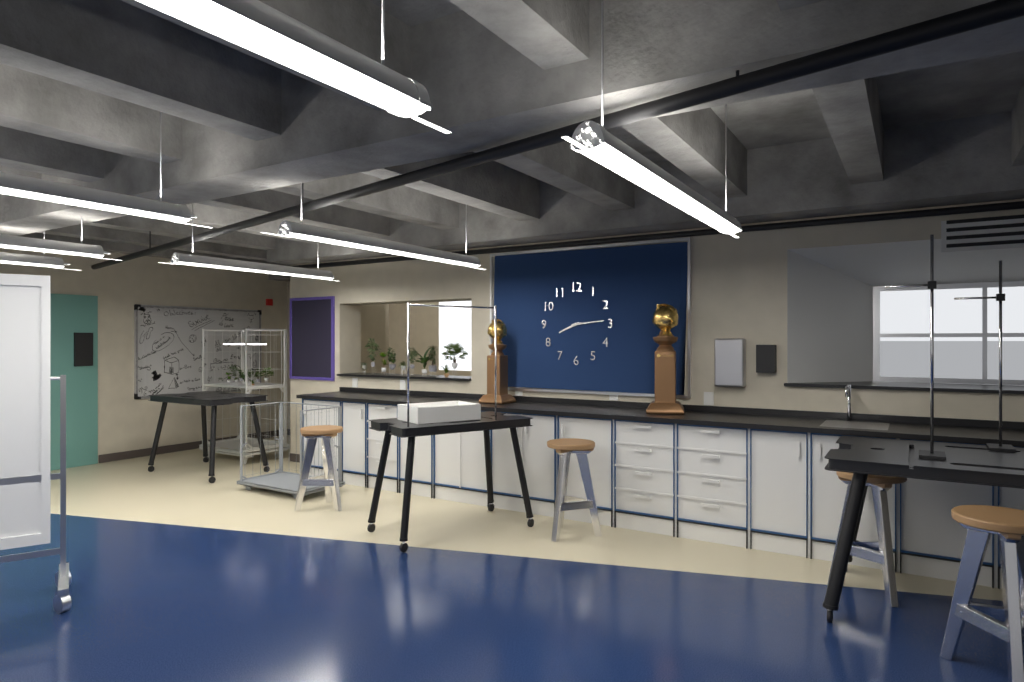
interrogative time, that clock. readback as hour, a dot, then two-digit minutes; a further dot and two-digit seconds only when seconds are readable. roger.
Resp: 8.14
